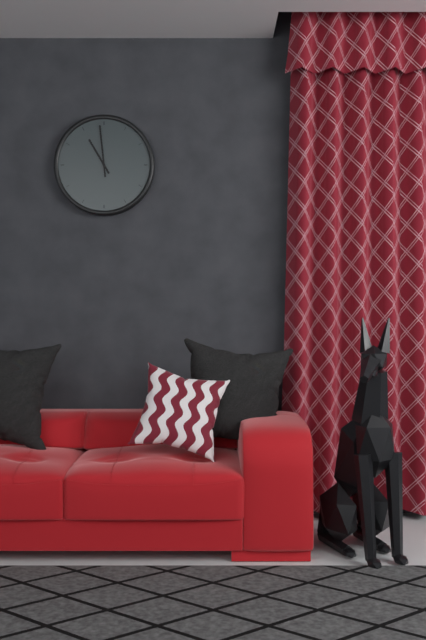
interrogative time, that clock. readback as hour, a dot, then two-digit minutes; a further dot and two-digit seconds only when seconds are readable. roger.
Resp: 10.59
